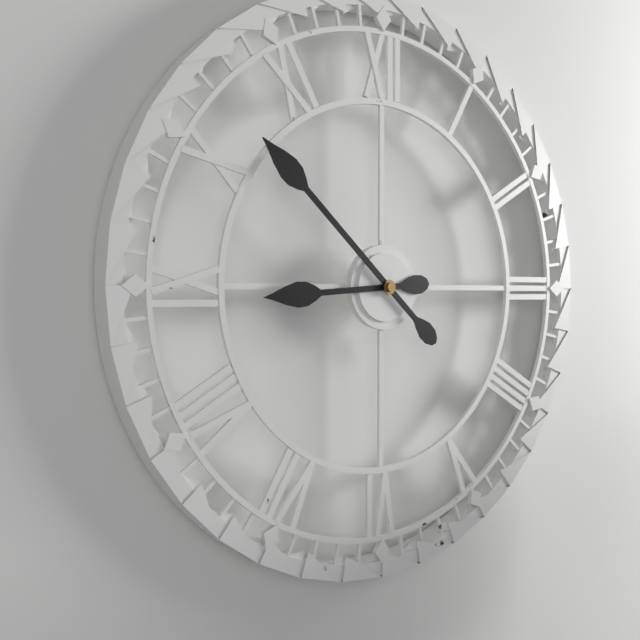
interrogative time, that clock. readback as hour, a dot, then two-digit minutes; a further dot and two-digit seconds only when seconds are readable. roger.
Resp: 8.52
